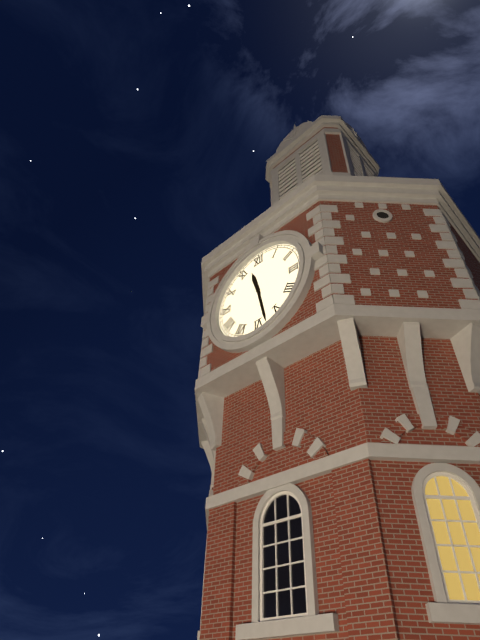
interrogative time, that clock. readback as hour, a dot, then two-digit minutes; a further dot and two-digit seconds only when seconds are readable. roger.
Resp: 11.28
